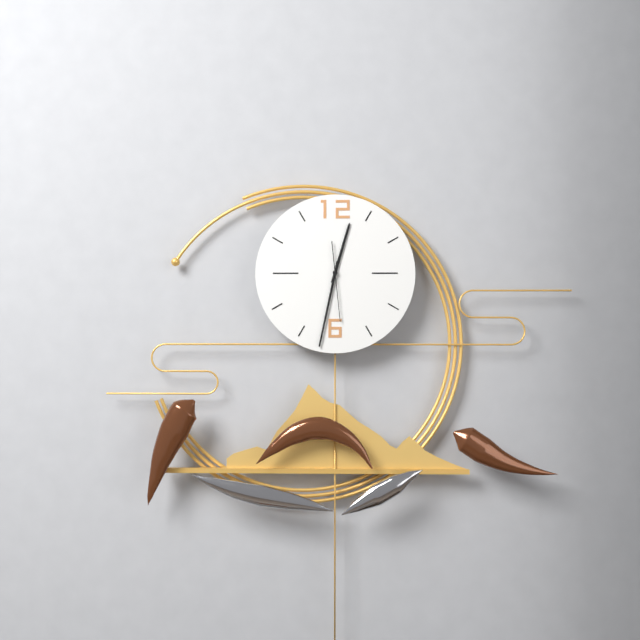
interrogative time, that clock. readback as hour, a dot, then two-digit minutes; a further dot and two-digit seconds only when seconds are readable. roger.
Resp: 12.32.29
